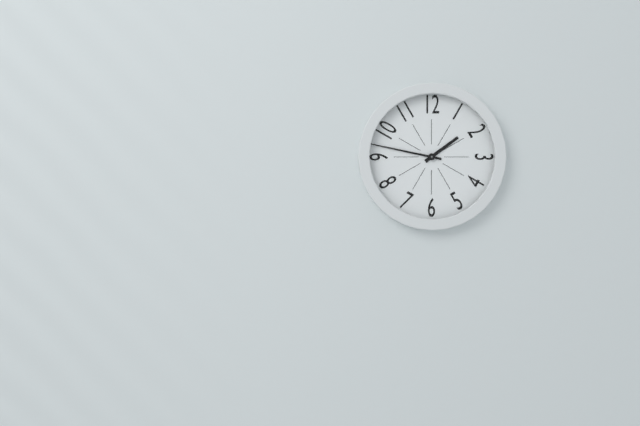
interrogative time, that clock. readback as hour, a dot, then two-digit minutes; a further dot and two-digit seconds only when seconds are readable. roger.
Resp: 1.47
